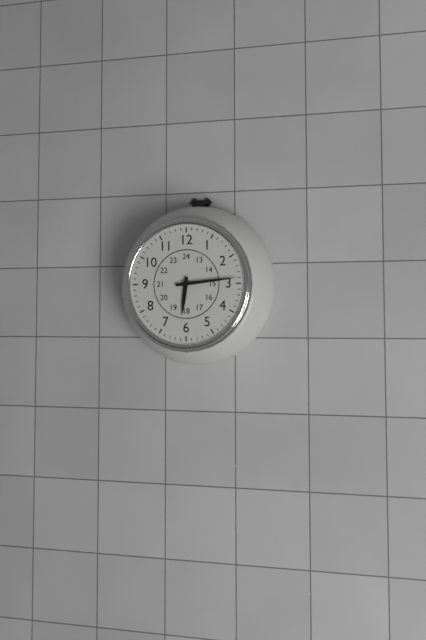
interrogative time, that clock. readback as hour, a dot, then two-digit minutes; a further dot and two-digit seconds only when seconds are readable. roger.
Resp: 6.14
